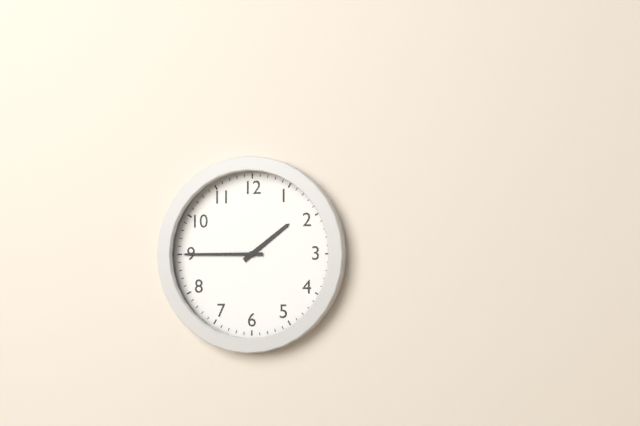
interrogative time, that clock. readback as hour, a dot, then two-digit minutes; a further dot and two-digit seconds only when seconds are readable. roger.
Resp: 1.45
